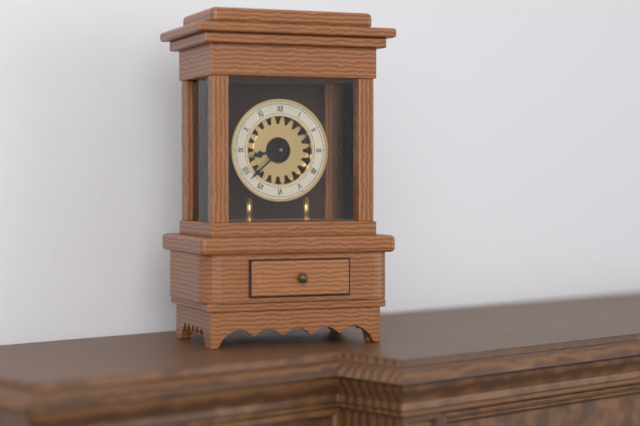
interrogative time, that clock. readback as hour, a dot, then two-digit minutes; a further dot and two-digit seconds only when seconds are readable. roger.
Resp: 8.38
